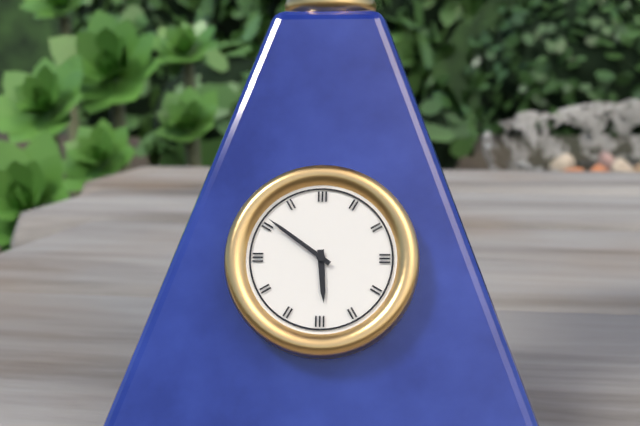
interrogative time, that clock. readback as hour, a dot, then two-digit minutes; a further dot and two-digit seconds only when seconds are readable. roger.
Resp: 5.51
